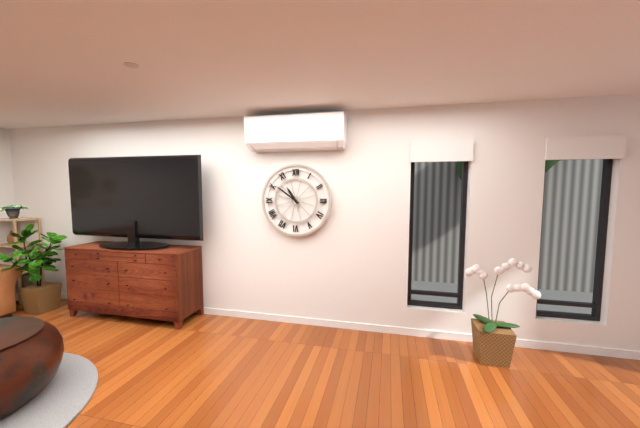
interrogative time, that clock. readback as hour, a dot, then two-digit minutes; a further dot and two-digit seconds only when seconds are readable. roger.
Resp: 10.51
